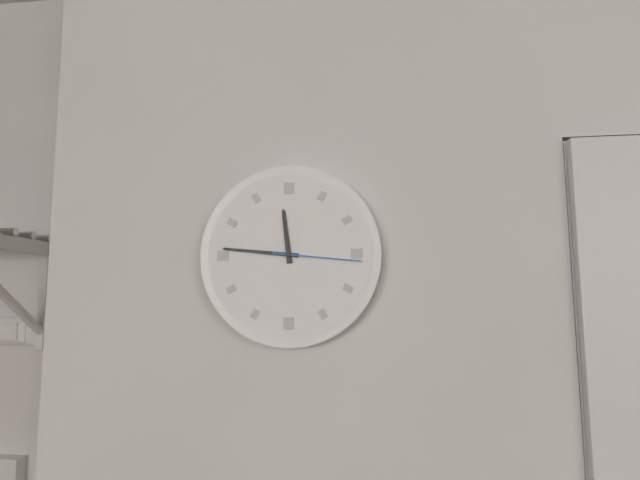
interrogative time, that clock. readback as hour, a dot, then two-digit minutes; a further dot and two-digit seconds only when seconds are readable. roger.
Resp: 11.46.16
